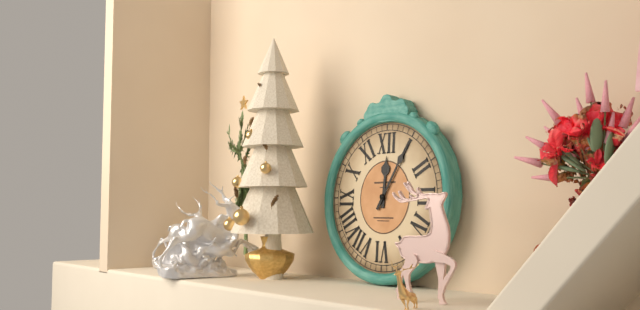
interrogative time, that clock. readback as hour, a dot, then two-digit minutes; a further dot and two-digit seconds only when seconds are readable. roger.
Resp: 12.05
